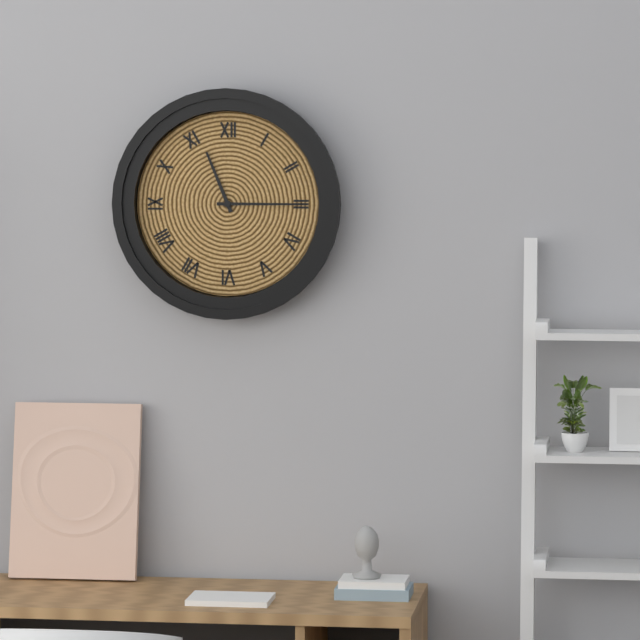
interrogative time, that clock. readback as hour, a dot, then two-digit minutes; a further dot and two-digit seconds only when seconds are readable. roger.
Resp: 11.15
